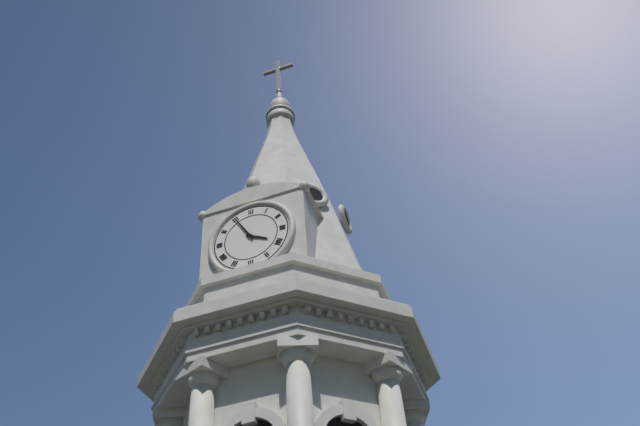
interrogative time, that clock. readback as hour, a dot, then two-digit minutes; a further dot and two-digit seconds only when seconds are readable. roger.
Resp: 3.55
